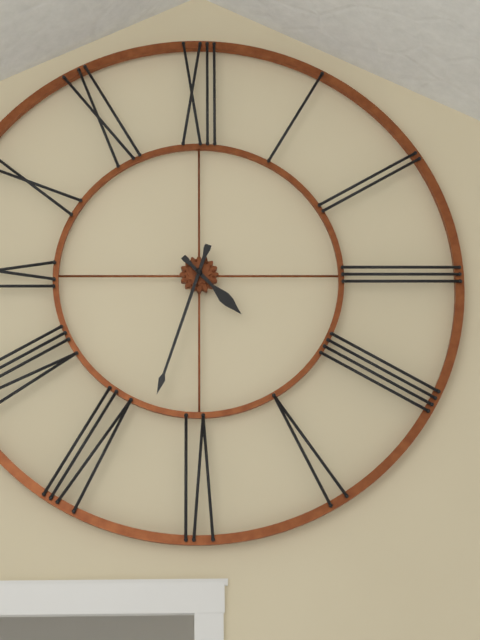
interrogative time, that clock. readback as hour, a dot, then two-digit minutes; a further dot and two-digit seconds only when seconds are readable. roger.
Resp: 4.33
